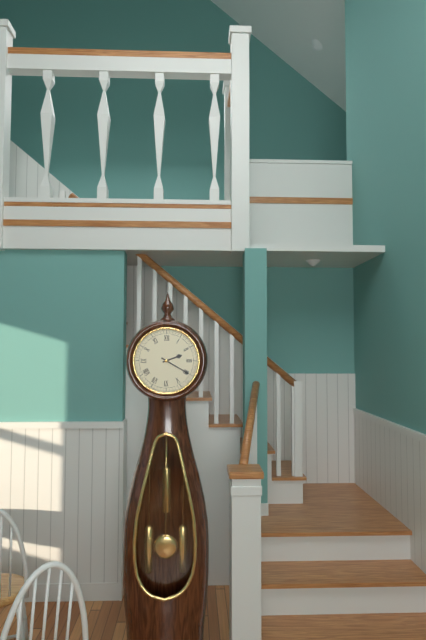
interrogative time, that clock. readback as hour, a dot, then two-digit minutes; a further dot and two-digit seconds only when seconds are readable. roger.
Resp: 2.20
